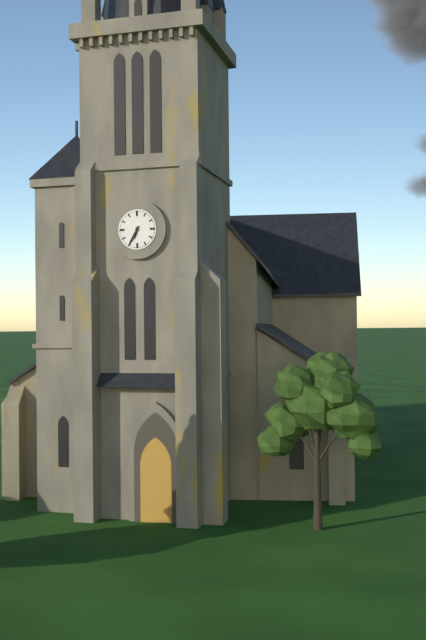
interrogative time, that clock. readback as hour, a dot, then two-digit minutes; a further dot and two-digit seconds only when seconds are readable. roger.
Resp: 6.35
